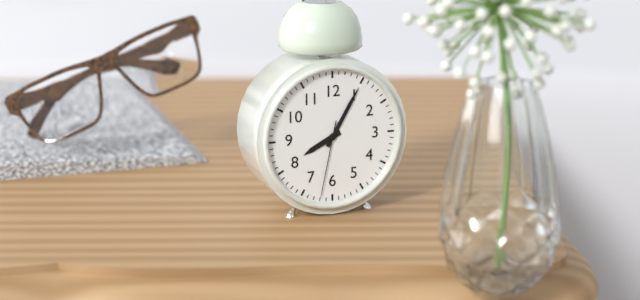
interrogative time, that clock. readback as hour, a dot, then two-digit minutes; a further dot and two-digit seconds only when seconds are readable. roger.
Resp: 8.05.32
